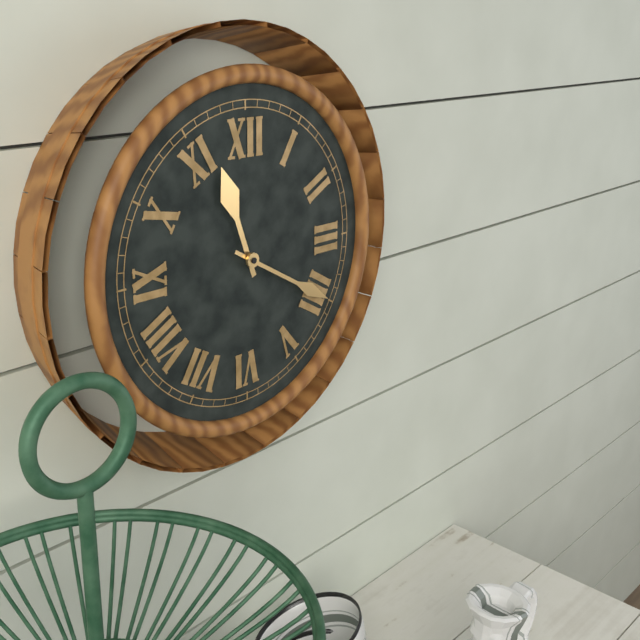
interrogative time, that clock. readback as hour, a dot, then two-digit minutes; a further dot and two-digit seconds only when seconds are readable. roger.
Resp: 11.20
